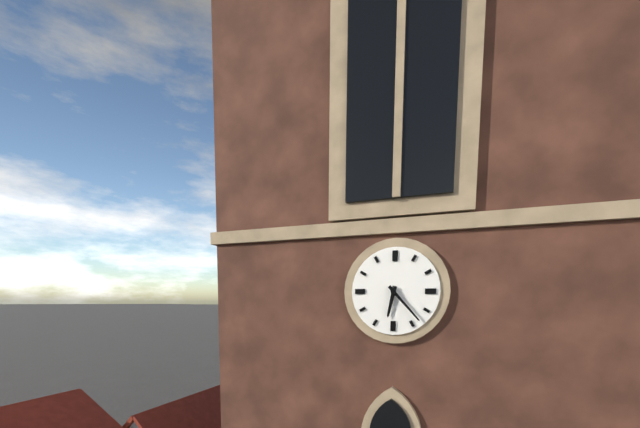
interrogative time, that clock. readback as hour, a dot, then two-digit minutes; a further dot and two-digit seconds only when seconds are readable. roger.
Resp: 6.23
